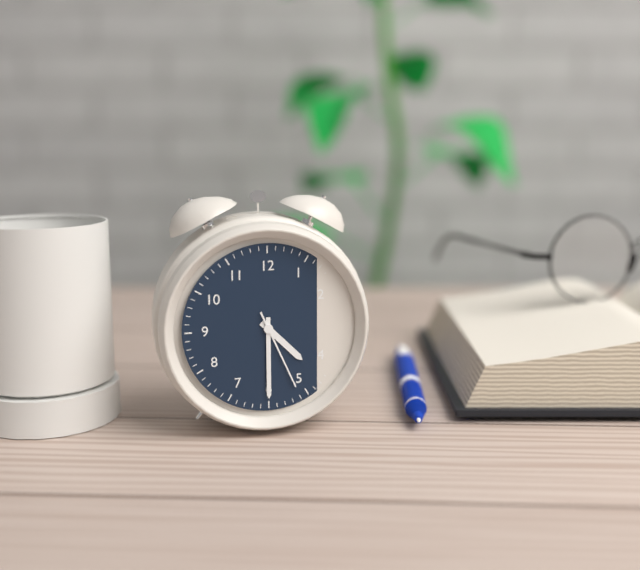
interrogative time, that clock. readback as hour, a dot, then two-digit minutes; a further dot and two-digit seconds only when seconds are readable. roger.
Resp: 4.30.26
